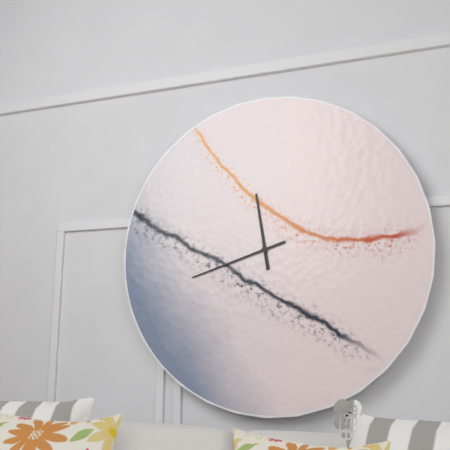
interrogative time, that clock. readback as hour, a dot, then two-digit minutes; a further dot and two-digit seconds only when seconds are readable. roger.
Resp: 11.42
